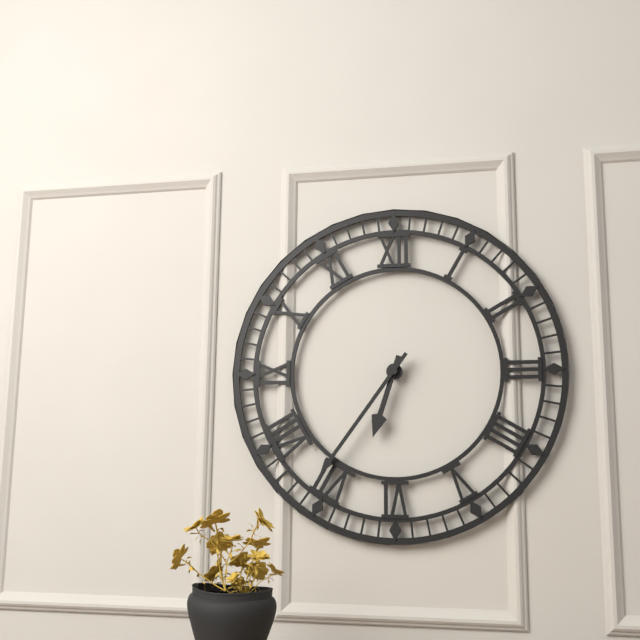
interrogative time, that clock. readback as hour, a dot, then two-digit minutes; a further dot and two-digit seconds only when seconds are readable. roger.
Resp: 6.36
